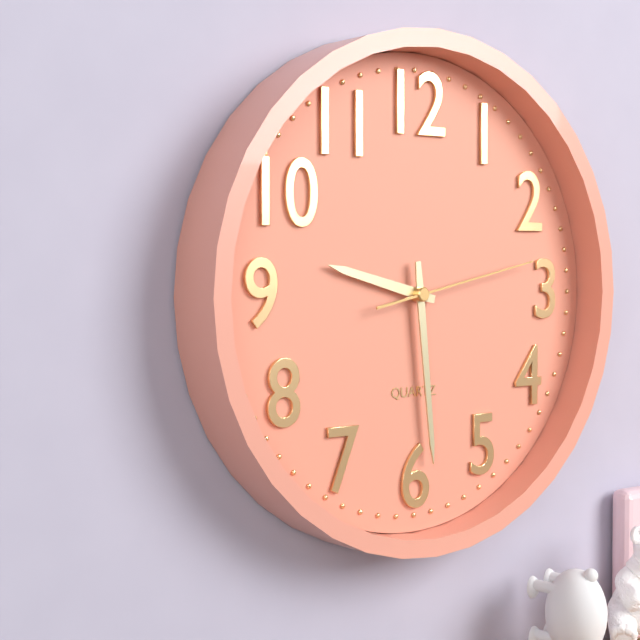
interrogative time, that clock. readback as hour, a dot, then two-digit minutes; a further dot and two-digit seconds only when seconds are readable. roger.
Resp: 9.29.13
